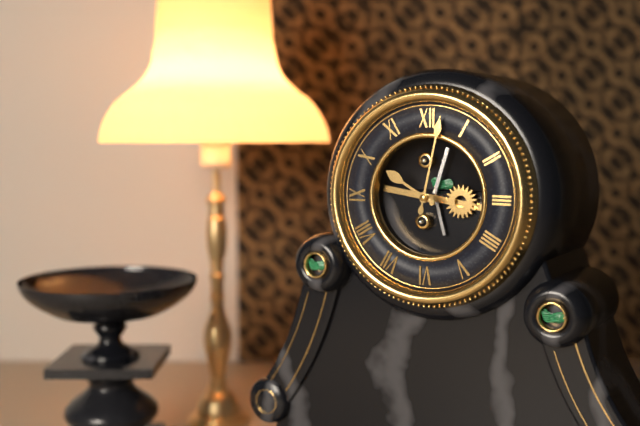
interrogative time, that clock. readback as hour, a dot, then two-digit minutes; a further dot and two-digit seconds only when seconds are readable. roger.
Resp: 10.02
